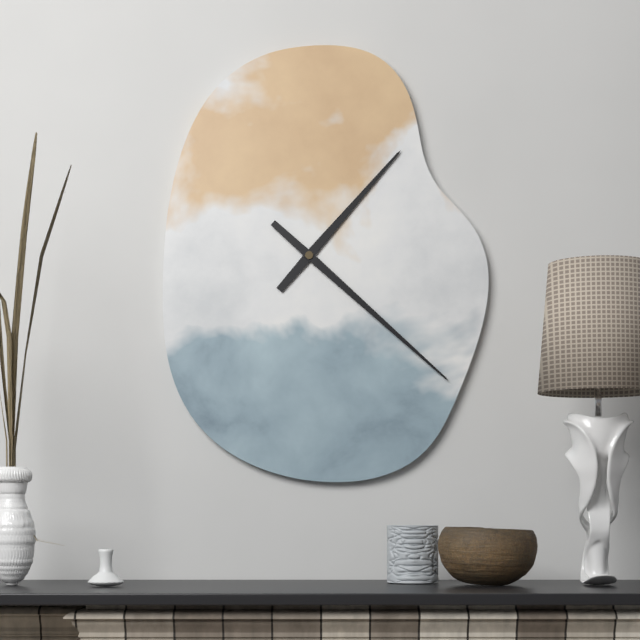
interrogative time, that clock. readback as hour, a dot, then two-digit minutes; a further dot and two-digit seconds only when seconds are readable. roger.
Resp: 1.22
